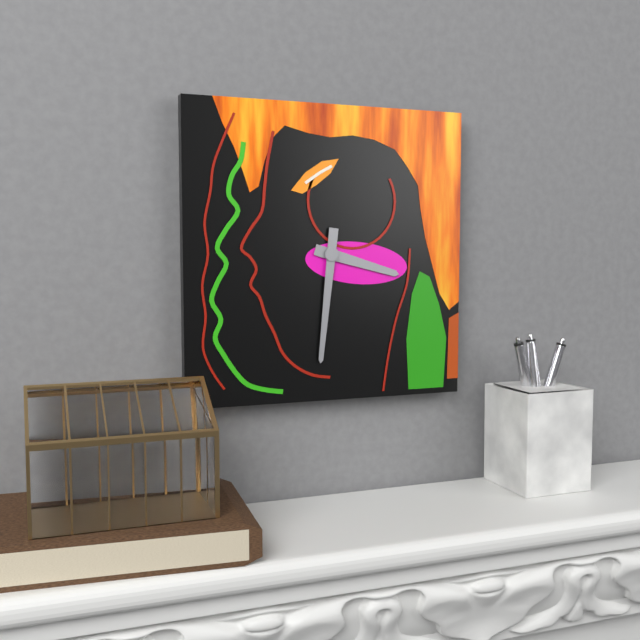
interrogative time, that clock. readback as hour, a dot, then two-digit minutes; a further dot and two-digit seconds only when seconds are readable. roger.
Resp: 3.31
